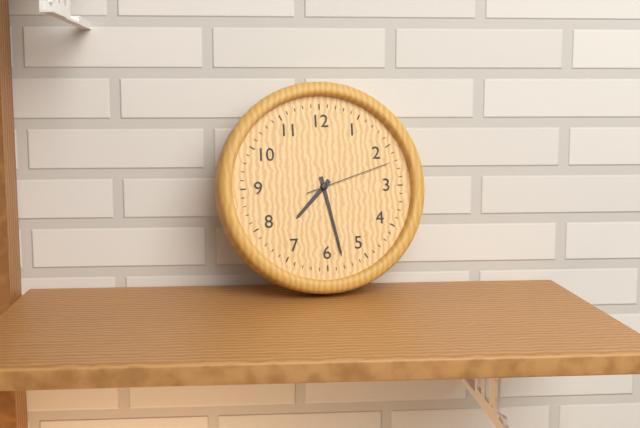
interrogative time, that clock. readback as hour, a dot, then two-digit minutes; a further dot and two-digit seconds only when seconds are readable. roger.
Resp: 7.28.12
